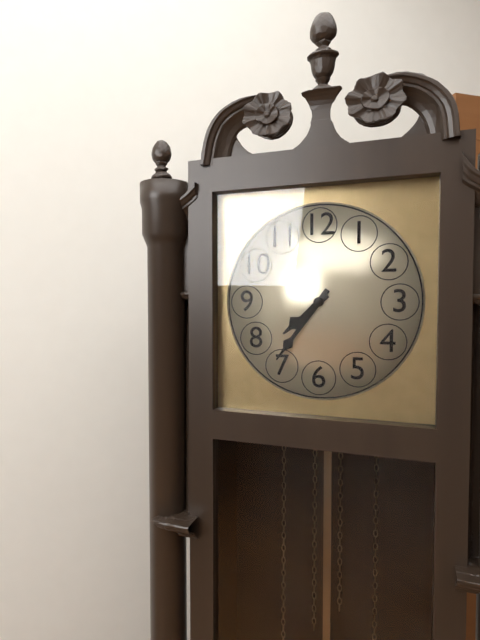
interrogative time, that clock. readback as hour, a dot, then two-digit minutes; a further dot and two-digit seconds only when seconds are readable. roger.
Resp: 7.36
